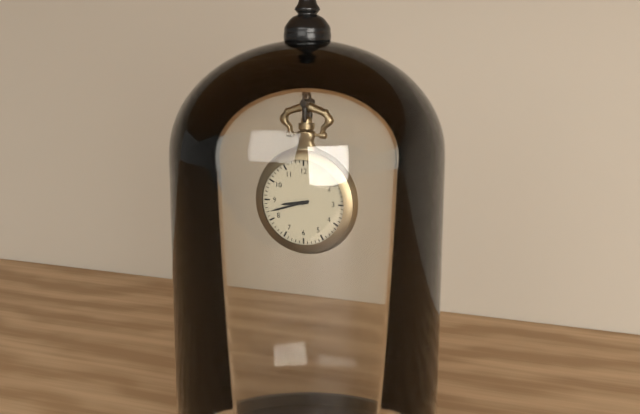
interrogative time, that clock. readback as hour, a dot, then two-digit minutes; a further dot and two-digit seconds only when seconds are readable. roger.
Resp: 8.42
